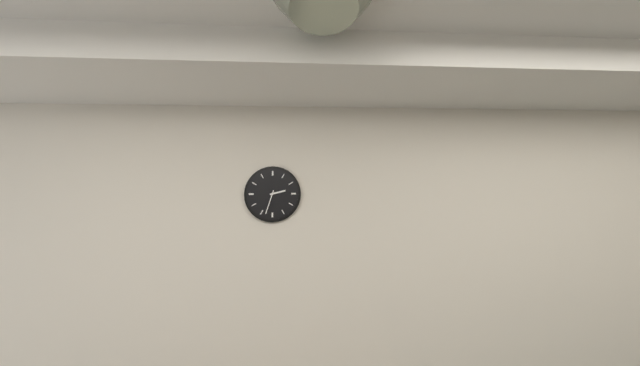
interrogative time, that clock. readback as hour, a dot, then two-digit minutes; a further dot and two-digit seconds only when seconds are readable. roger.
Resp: 2.33
